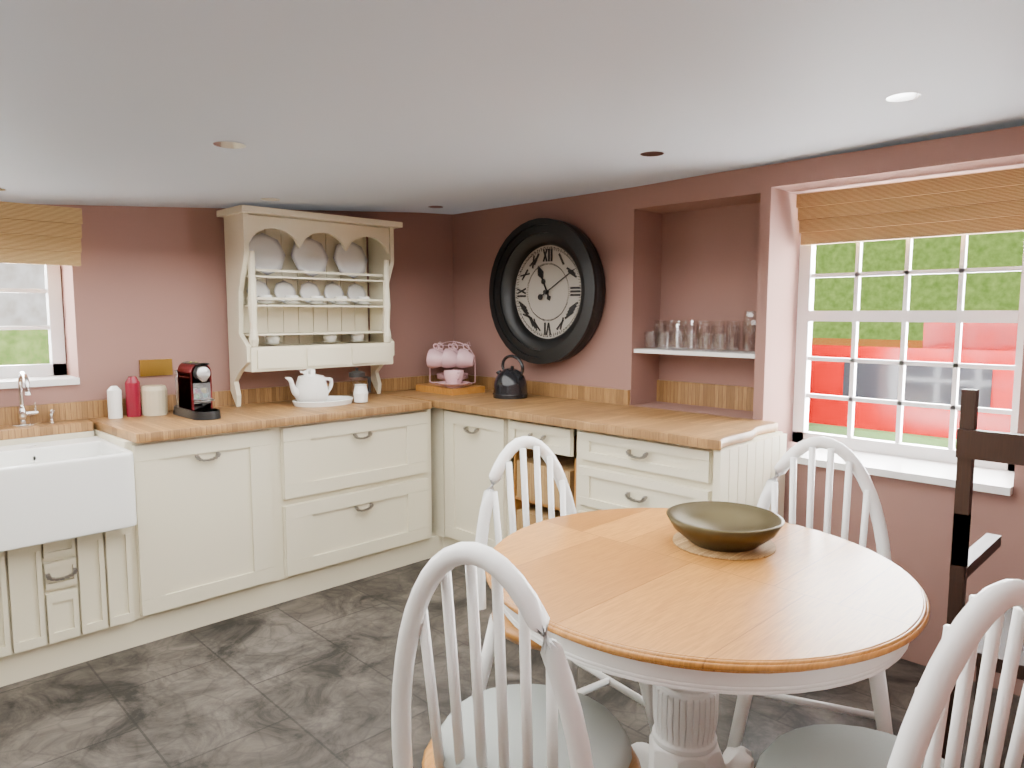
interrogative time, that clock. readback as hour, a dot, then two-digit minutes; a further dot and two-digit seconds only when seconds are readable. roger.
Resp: 11.10
